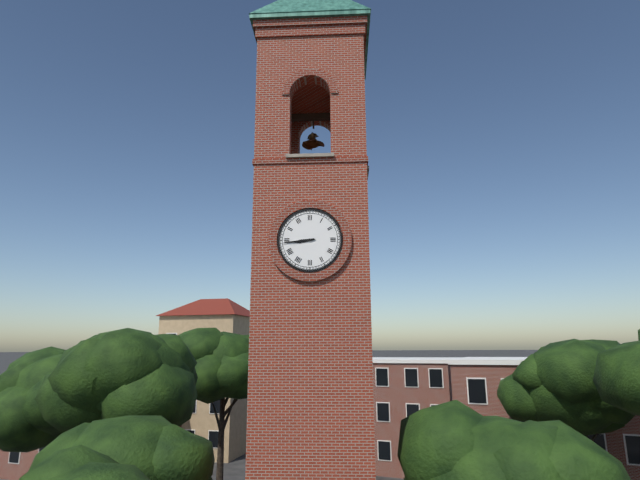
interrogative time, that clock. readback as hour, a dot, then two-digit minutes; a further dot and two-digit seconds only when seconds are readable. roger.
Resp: 8.44
